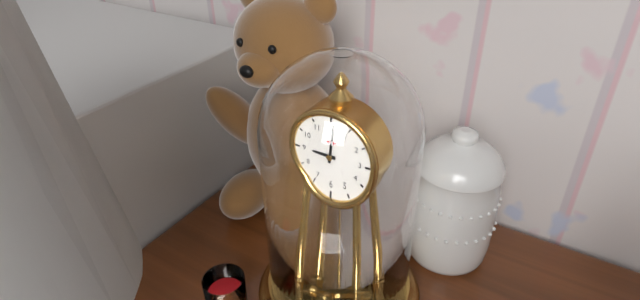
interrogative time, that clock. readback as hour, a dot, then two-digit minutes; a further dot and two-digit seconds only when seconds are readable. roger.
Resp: 9.01
